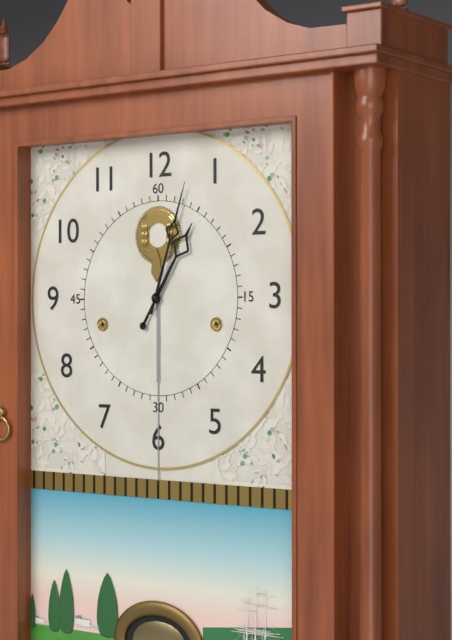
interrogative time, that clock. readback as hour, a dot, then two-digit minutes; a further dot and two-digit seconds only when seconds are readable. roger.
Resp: 1.03
